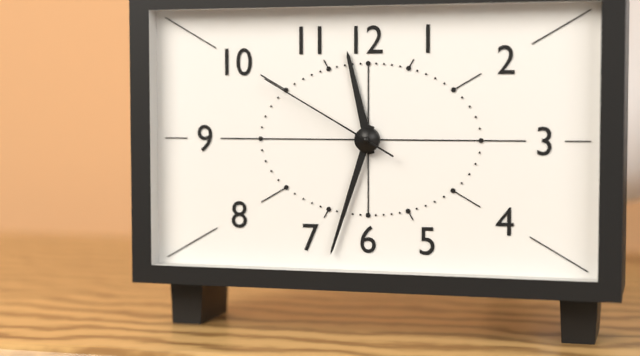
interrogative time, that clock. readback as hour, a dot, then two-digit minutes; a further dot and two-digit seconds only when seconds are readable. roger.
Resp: 11.33.50
